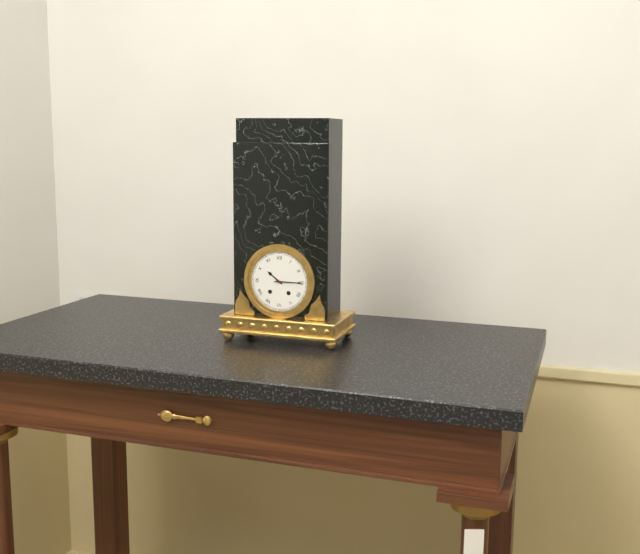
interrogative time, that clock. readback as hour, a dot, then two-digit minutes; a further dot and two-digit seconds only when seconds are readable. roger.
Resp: 10.15
